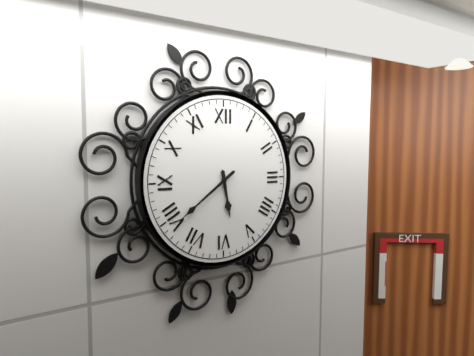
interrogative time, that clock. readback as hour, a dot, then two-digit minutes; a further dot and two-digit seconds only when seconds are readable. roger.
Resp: 5.39
